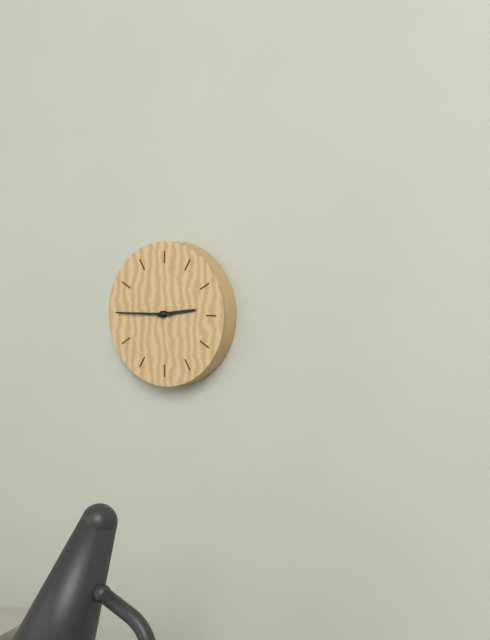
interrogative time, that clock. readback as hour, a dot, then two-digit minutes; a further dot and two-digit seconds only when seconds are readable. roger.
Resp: 2.45
